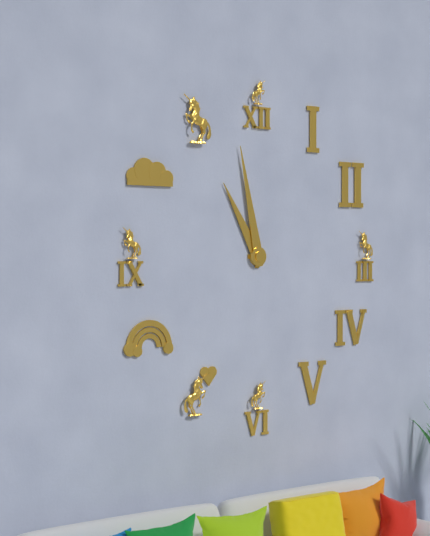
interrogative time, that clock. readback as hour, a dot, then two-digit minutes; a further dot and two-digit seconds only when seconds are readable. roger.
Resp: 10.58
